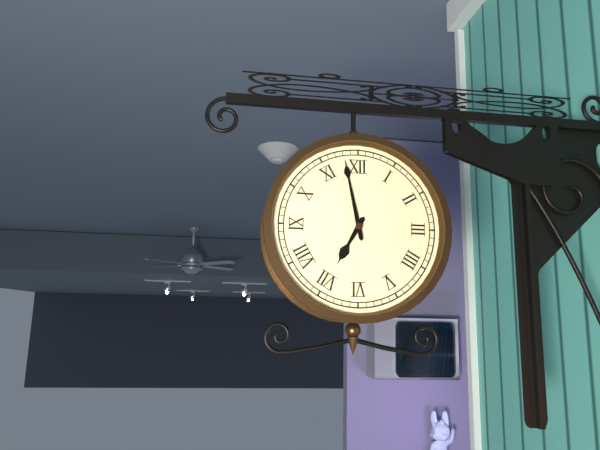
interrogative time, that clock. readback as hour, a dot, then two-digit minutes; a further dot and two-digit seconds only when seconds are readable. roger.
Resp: 6.58
